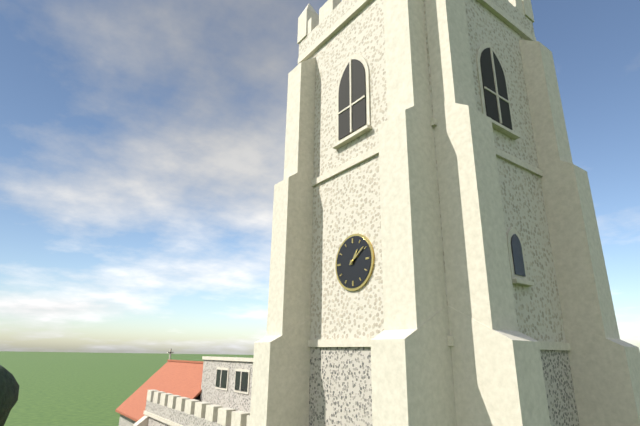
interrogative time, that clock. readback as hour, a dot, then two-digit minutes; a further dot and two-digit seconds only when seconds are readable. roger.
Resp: 1.09
